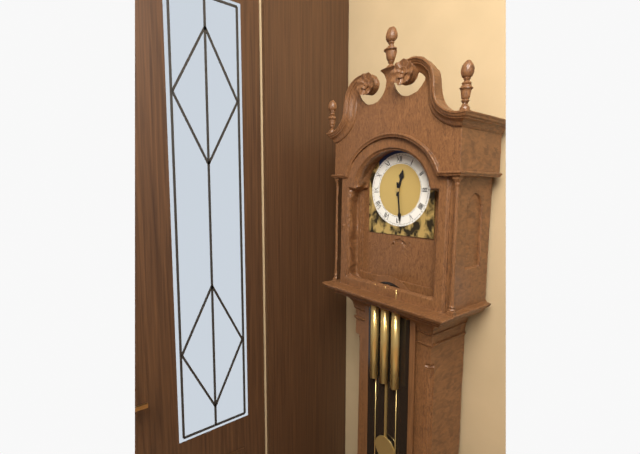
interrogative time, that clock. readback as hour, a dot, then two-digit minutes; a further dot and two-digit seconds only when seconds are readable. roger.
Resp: 12.29
